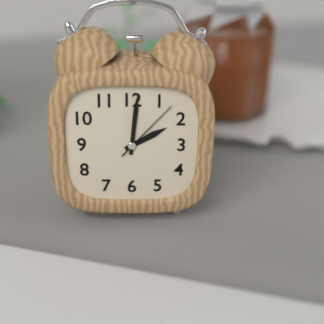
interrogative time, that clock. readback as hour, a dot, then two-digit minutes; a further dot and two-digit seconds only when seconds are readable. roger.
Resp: 2.01.07
